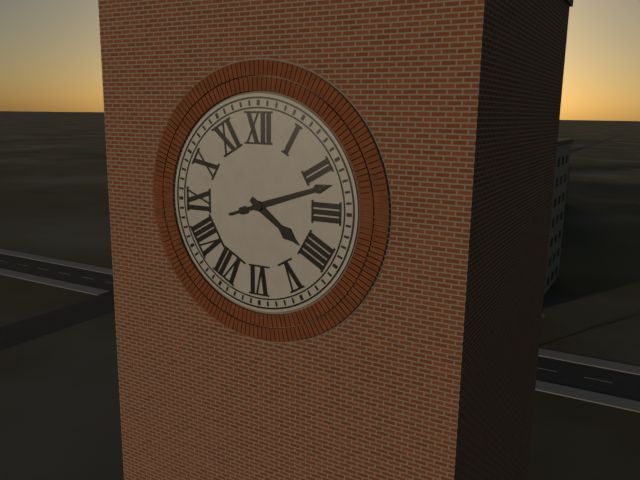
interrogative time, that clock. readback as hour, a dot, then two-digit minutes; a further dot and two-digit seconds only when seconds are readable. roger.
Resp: 4.12
